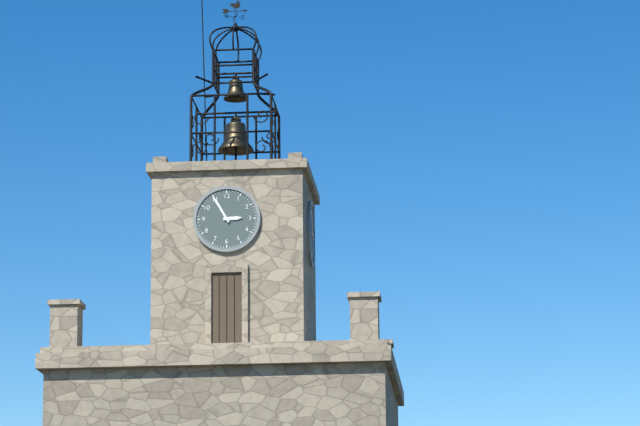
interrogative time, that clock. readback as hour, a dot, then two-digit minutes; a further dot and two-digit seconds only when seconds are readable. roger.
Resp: 2.55
